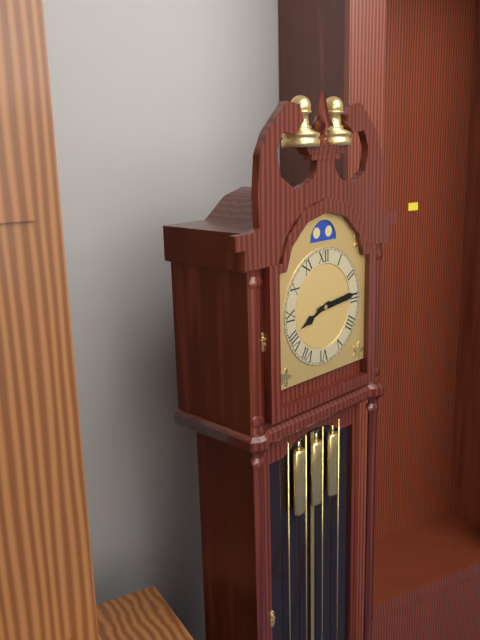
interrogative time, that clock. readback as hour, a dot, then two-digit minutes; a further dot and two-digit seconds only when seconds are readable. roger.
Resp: 8.14
